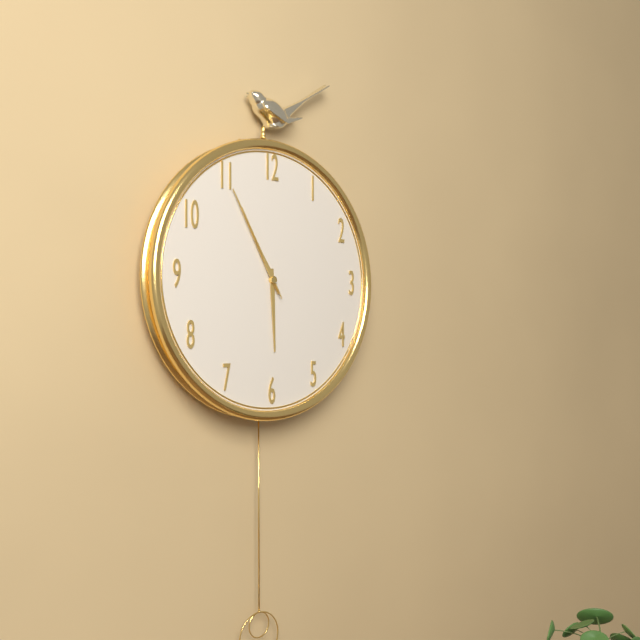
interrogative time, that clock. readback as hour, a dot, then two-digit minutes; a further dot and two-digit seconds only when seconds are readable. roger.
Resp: 5.55.55
